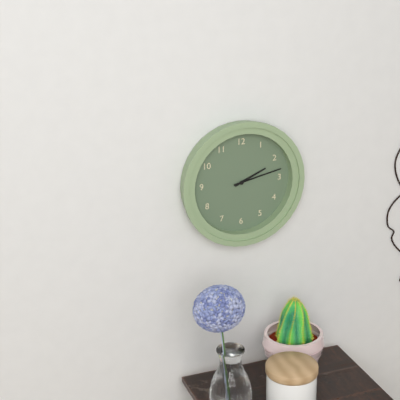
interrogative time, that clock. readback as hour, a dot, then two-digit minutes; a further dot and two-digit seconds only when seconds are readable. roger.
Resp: 2.13
